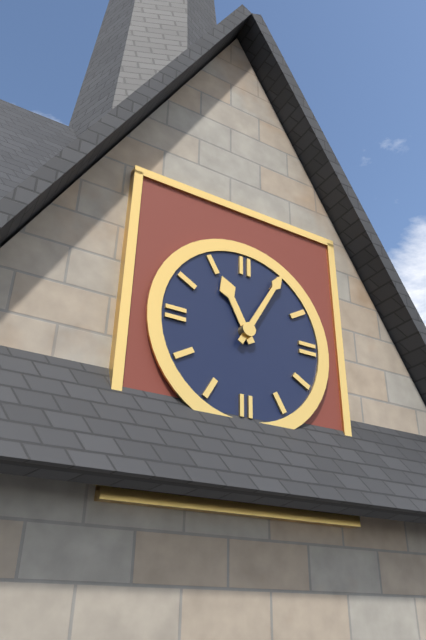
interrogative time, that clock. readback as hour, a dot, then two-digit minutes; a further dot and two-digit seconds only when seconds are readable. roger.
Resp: 11.05
